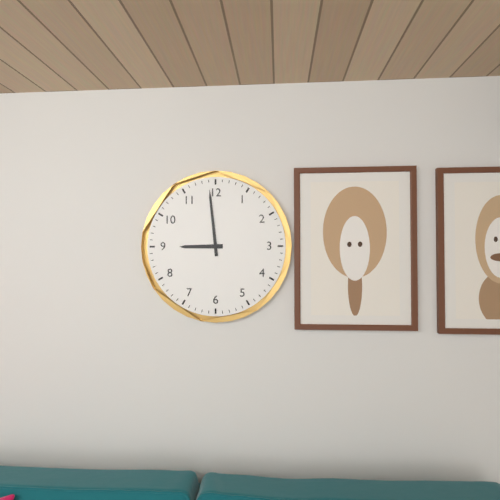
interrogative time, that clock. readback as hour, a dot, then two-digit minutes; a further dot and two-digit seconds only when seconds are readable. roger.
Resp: 8.59
